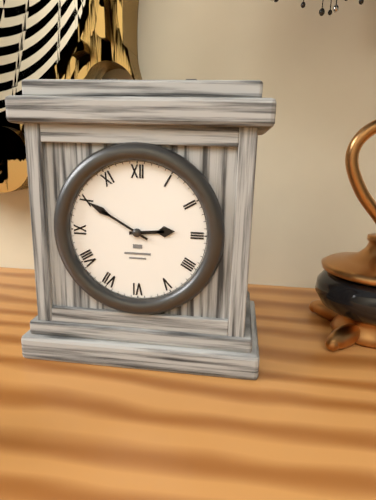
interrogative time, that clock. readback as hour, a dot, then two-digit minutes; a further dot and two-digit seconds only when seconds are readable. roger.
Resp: 2.50
